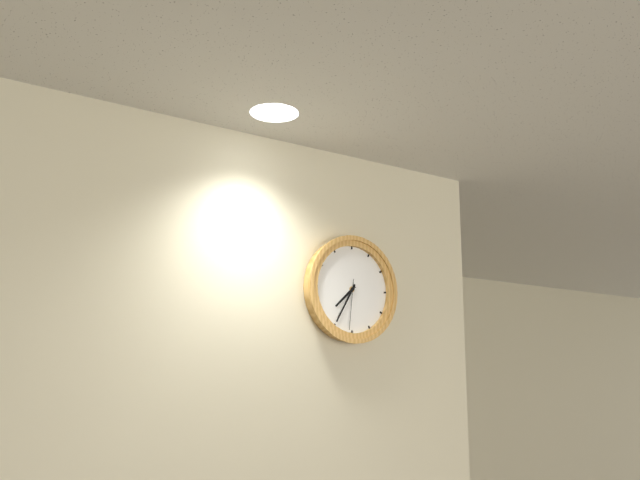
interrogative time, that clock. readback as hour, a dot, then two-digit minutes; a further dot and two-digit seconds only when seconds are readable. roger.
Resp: 7.35.31
